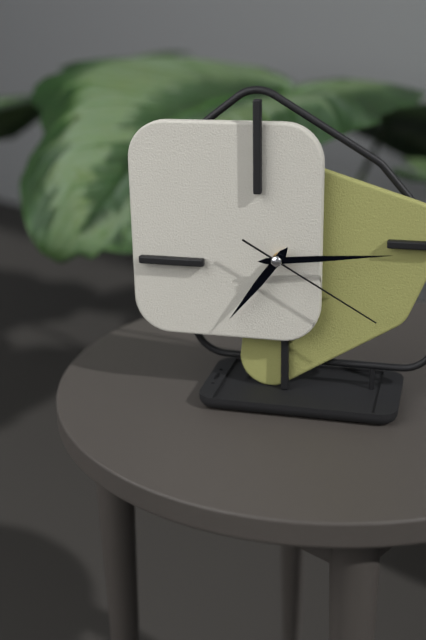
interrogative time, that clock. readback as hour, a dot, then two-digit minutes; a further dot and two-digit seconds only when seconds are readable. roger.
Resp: 7.14.20
